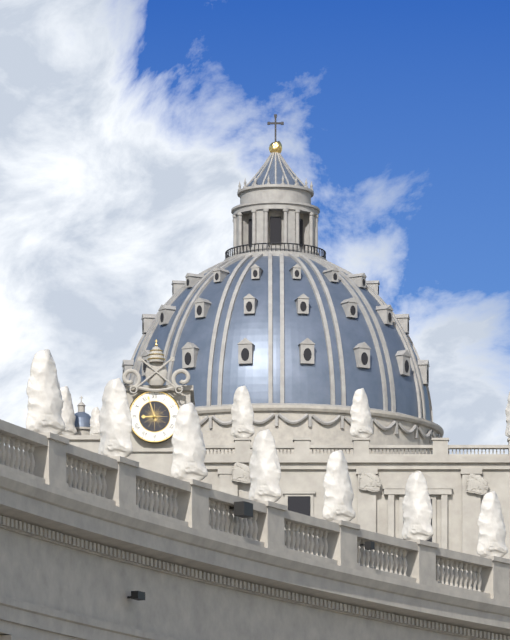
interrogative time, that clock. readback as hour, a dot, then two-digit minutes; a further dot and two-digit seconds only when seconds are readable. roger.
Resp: 8.57
